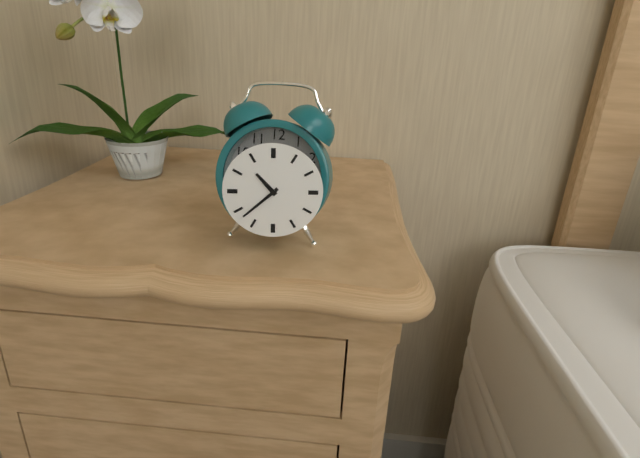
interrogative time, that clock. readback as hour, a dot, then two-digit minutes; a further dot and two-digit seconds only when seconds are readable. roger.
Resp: 10.38
